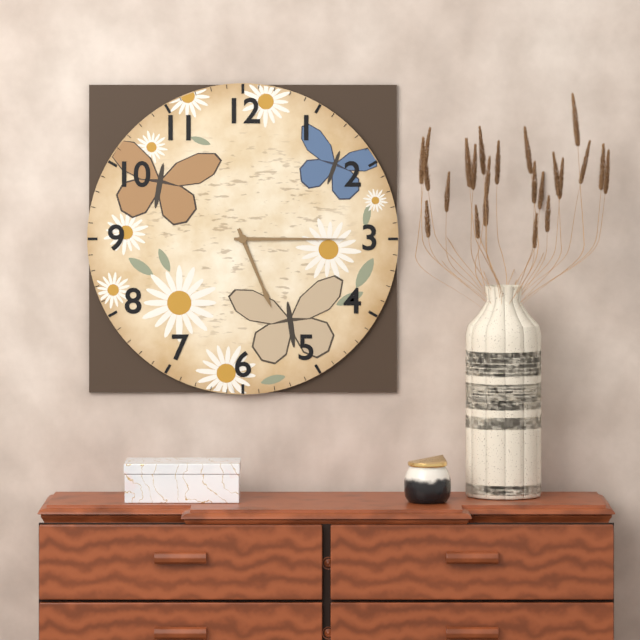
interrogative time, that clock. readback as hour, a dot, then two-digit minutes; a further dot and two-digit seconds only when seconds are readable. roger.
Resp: 5.15
